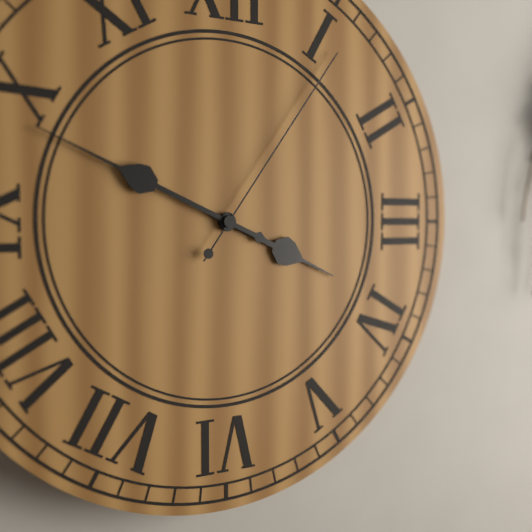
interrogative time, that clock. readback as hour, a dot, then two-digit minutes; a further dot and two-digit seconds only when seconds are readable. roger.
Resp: 3.49.06
